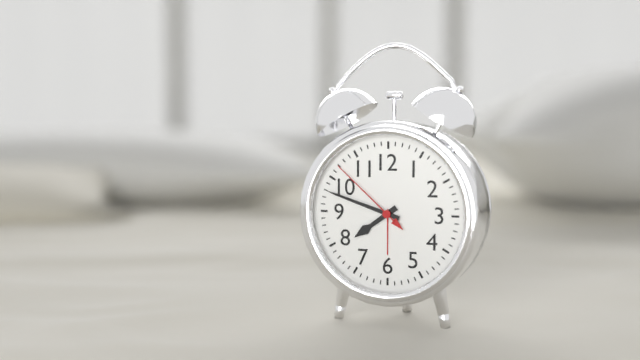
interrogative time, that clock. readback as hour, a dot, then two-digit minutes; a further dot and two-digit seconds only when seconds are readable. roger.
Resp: 7.48.52
